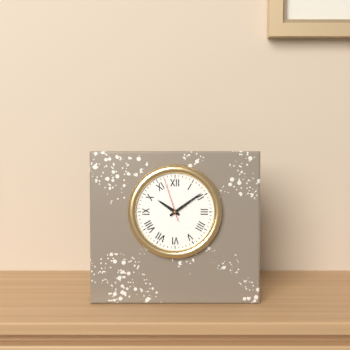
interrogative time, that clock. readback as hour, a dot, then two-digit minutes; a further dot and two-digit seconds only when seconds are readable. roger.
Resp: 10.09
